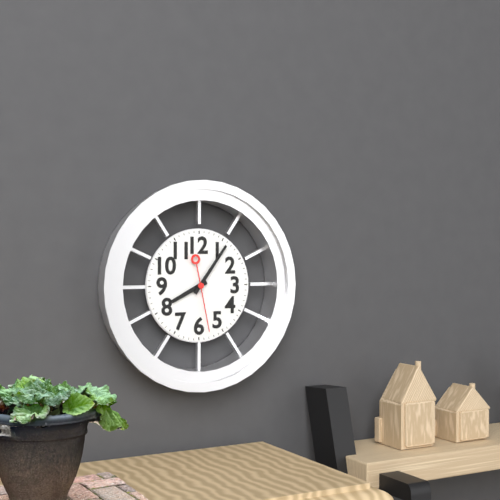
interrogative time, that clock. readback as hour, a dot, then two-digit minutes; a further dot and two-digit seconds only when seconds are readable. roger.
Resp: 8.06.28
